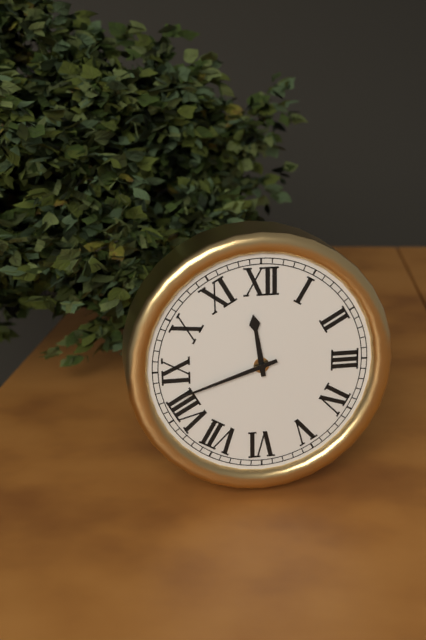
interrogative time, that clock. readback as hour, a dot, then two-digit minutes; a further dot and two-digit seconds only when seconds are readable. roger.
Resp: 11.42
